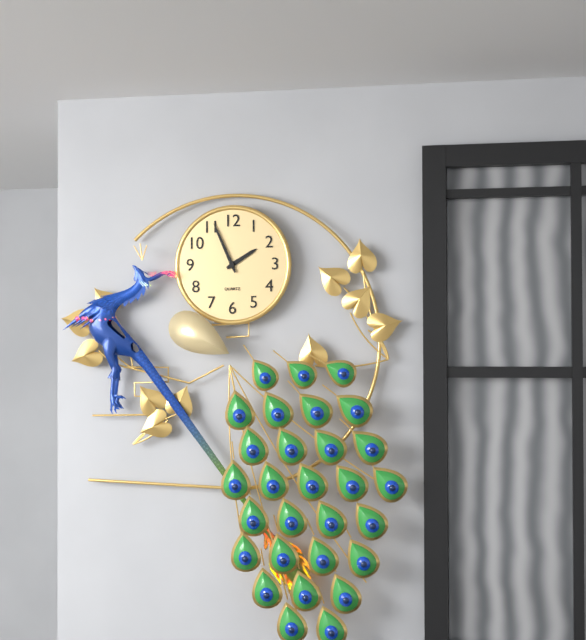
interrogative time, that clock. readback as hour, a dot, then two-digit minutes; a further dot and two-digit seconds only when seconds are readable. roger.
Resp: 1.56
